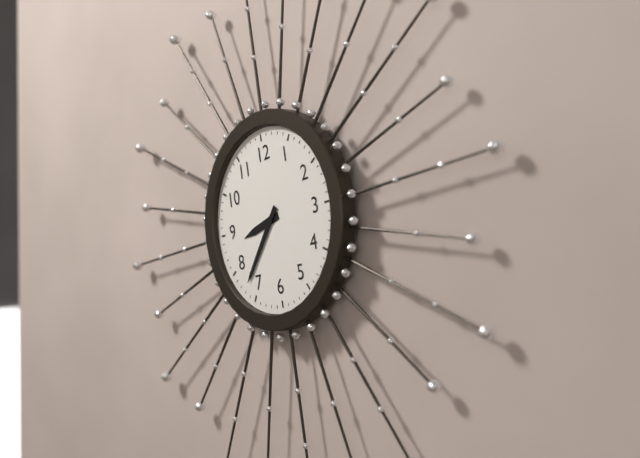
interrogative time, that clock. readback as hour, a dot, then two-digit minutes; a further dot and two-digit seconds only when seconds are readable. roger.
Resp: 8.37
